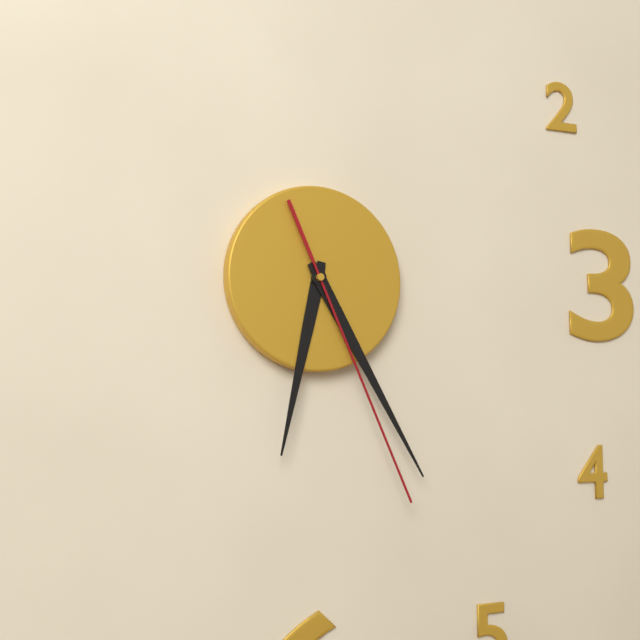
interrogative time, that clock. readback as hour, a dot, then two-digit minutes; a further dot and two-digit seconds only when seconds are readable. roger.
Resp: 6.25.26
